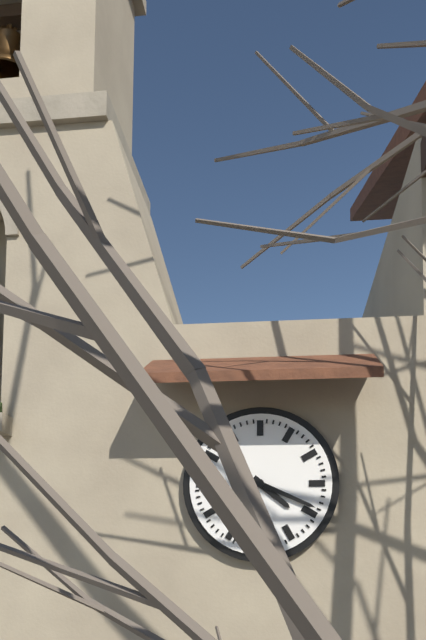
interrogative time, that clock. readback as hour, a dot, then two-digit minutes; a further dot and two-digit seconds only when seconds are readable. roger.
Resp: 4.19
